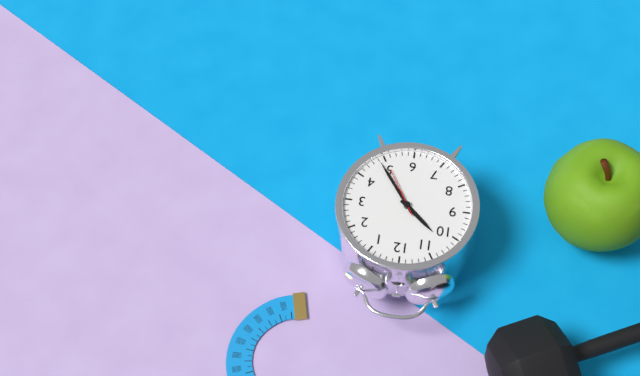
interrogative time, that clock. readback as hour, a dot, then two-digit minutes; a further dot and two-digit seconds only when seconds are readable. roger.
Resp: 10.24.25
